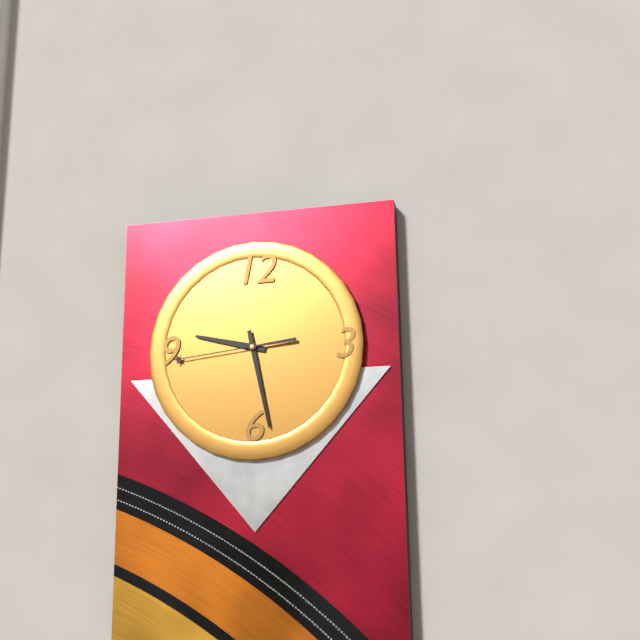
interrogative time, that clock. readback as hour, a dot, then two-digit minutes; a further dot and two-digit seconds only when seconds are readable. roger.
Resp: 9.28.44
